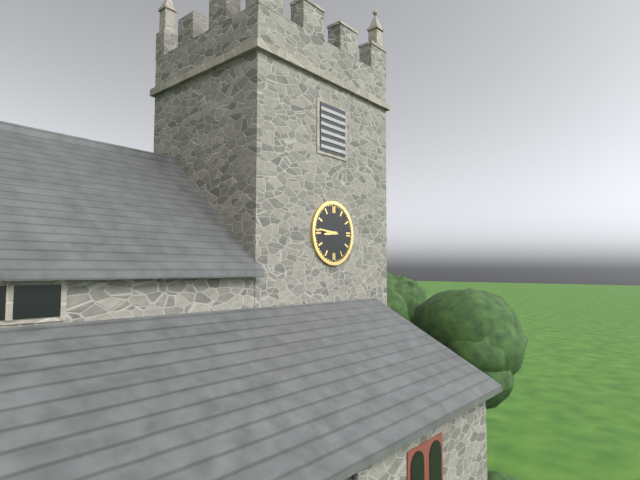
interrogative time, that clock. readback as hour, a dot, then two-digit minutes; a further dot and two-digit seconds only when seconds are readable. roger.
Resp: 8.46
